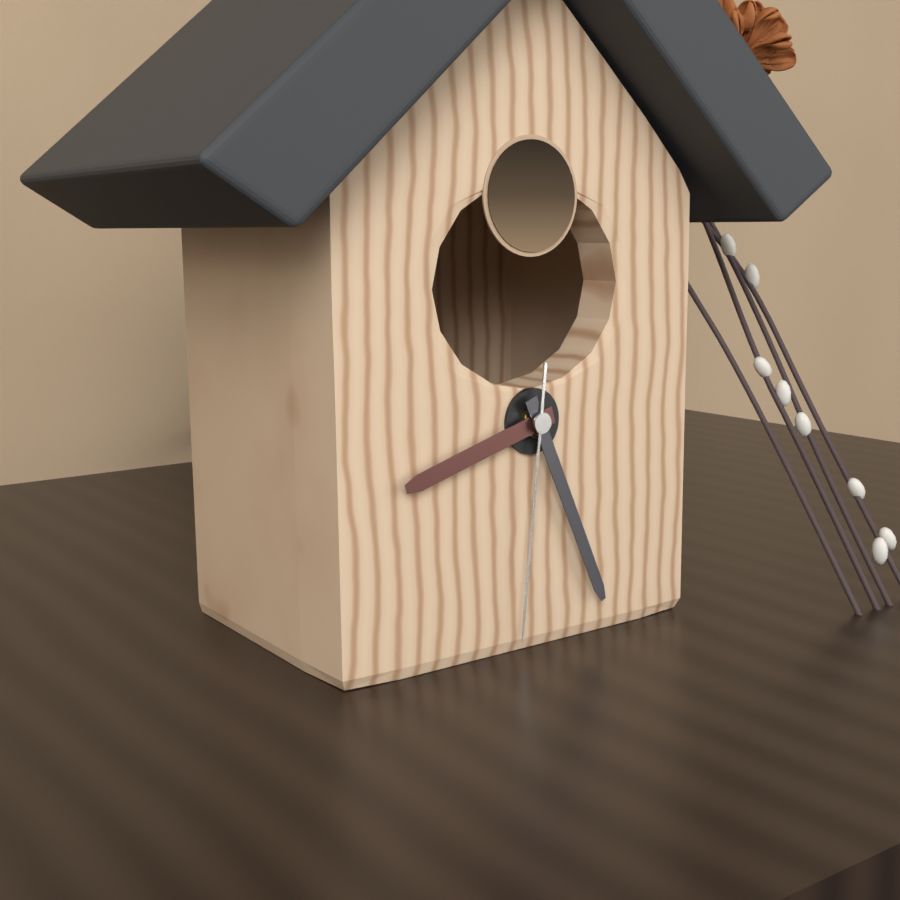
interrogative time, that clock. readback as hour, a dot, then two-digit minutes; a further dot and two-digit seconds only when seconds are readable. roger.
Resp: 8.26.31
